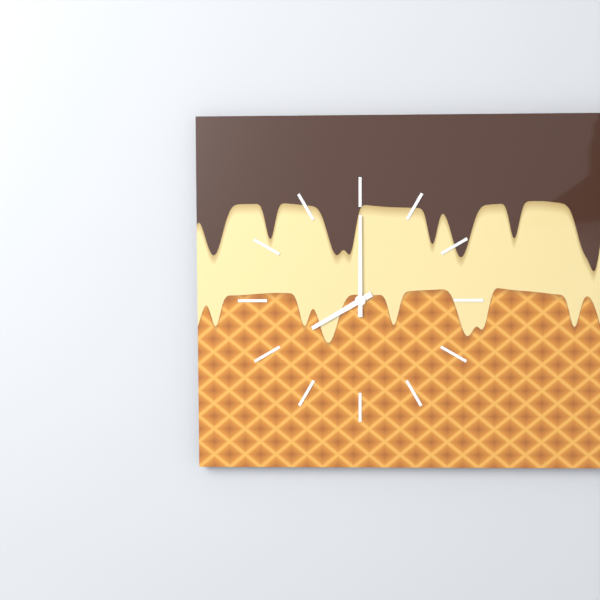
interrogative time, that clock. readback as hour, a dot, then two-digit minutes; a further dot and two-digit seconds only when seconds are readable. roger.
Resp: 8.00
